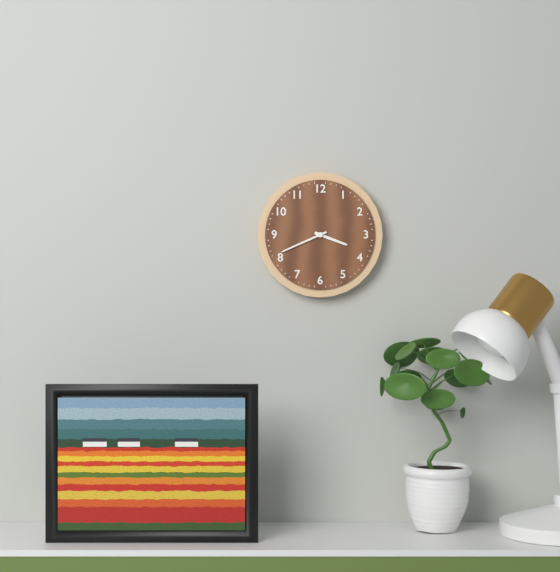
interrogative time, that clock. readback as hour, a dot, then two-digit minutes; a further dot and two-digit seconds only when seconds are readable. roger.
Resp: 3.41
